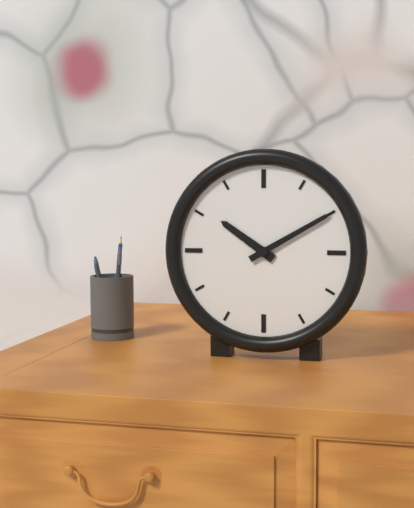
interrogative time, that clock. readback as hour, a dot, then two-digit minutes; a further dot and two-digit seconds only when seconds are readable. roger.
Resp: 10.10
